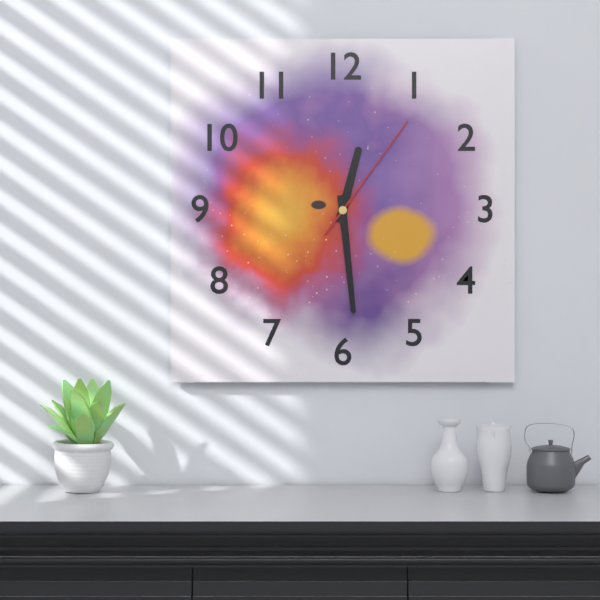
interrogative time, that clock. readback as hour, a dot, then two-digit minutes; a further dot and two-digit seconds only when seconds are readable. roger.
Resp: 12.29.06
